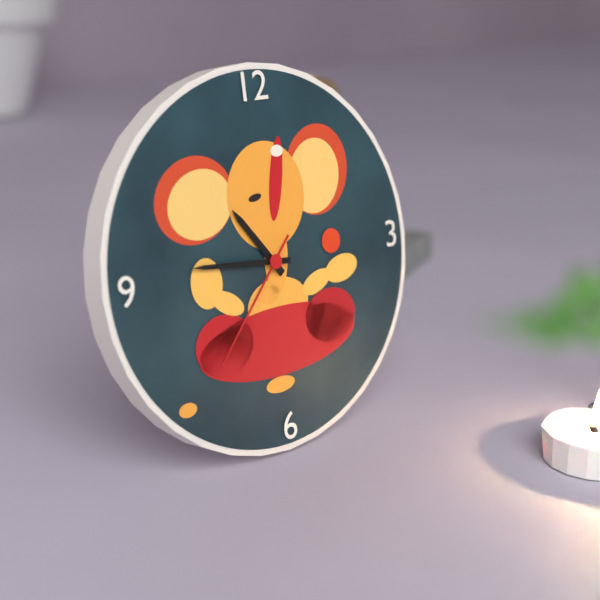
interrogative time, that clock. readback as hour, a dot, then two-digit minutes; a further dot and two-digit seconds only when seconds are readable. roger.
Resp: 10.46.37
